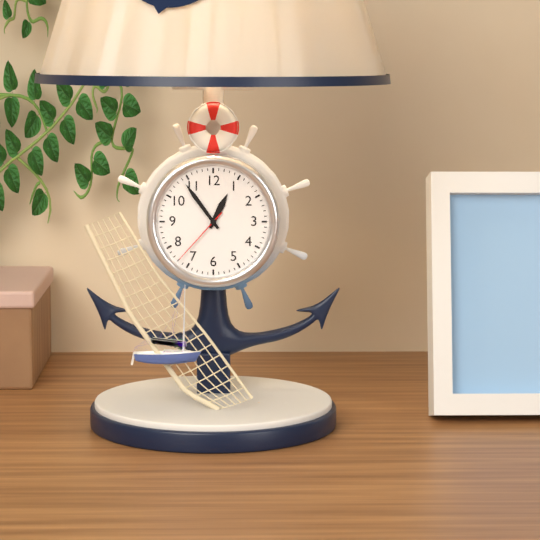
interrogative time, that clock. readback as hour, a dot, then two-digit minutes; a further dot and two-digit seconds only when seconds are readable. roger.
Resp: 12.54.37
